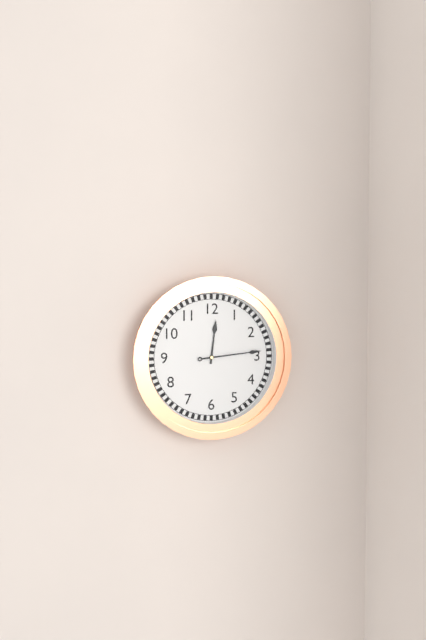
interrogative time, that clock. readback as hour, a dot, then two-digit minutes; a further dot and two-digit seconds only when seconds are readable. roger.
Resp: 12.14
